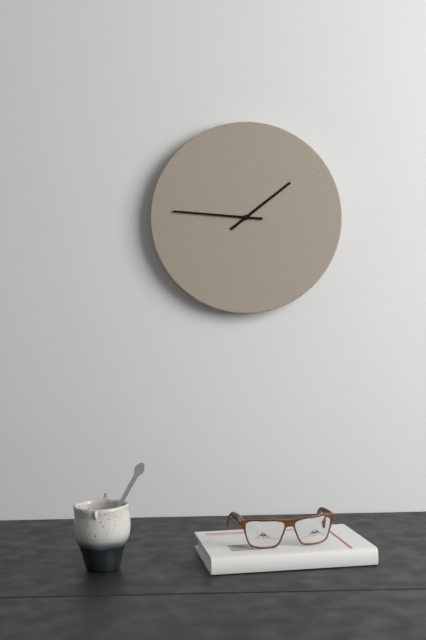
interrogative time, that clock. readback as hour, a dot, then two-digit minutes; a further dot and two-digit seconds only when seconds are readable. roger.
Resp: 1.46
